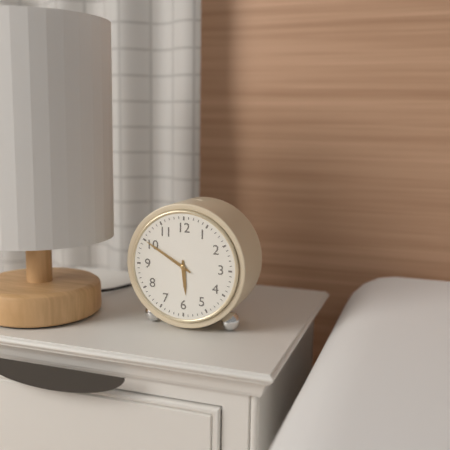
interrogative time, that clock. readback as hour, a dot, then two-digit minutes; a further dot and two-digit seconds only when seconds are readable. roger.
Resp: 5.50
